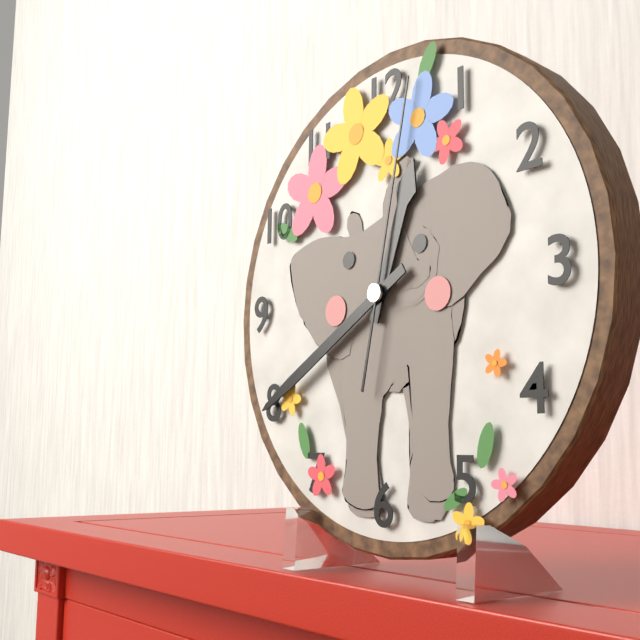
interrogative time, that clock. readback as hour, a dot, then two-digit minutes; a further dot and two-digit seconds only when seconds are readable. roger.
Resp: 12.40.02
